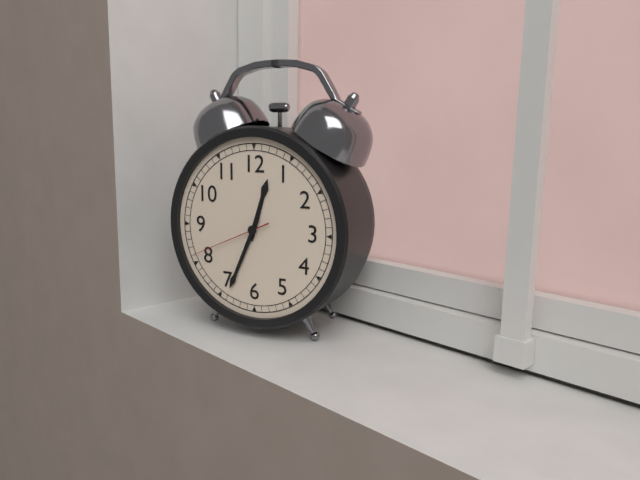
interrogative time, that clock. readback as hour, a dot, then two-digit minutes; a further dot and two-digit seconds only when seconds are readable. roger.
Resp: 12.34.41
